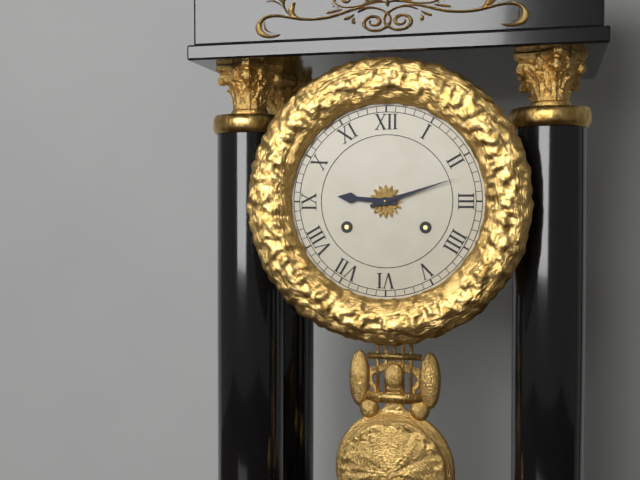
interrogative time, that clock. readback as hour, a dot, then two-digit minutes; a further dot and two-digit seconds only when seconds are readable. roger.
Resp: 9.12
